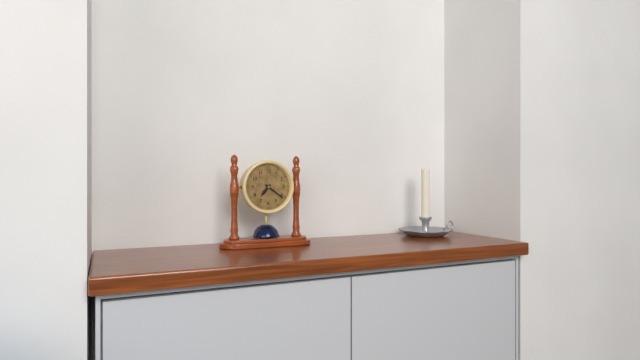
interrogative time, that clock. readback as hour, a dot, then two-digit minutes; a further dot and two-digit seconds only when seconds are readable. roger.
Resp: 7.21
